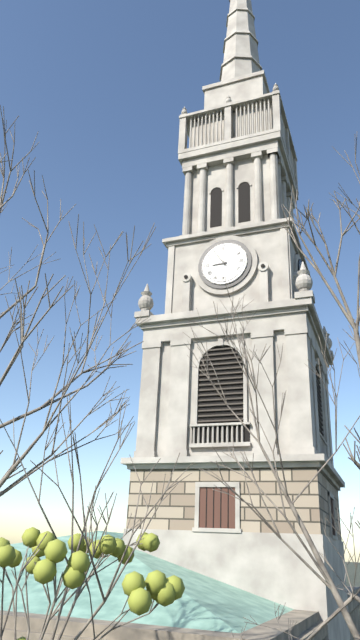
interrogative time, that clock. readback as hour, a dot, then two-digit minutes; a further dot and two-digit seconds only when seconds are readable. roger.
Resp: 8.54
